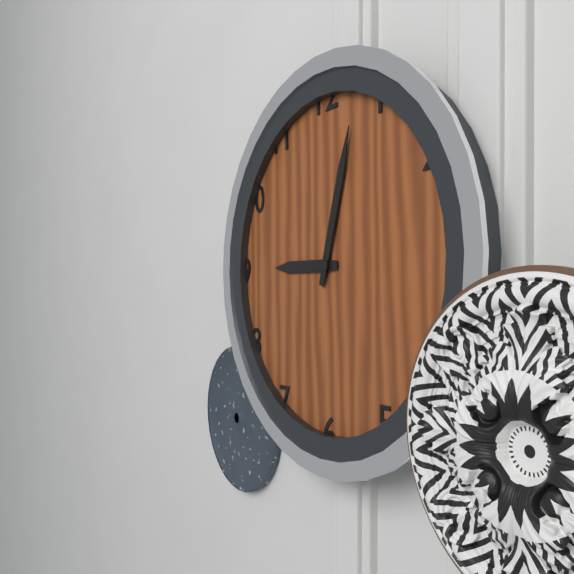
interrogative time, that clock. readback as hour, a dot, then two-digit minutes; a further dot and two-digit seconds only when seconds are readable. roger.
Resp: 9.03
